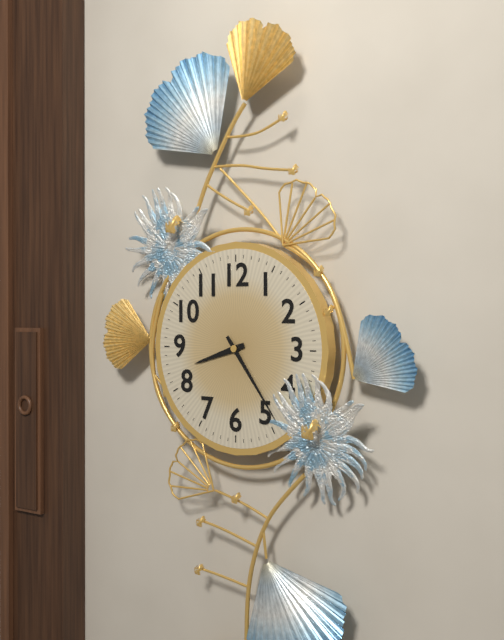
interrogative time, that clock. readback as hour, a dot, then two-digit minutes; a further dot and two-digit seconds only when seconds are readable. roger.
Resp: 8.24
